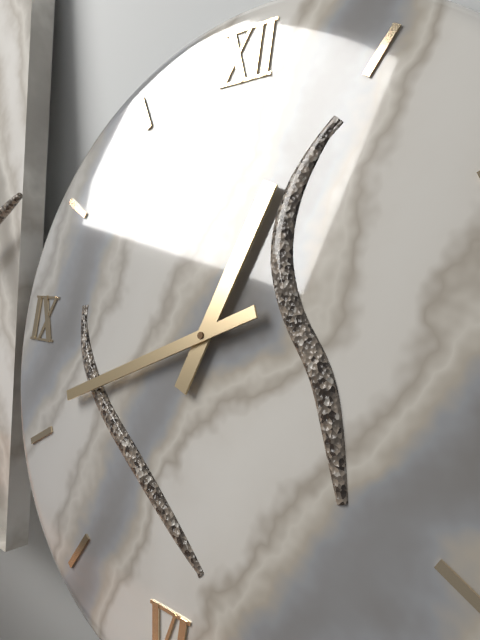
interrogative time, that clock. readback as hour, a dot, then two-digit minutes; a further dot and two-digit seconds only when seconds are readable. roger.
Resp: 12.41
